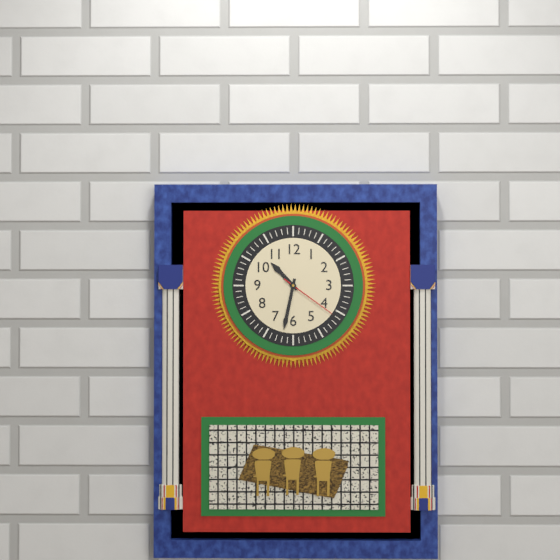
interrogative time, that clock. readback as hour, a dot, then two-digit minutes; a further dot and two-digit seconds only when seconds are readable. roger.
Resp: 10.32.21
